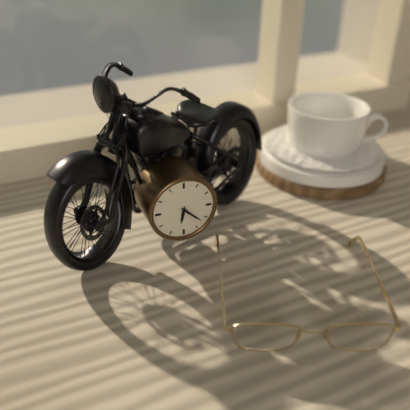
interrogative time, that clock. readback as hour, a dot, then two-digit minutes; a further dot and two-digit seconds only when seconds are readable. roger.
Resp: 6.22
